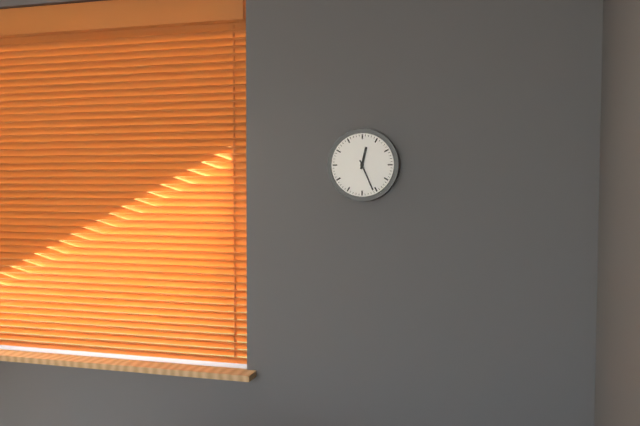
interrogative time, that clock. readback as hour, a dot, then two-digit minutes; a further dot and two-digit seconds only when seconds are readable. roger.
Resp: 12.26
